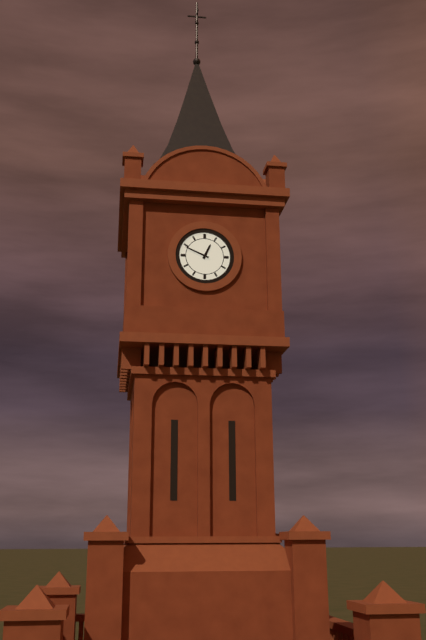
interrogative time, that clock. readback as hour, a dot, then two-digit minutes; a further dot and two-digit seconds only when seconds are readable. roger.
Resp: 12.49
